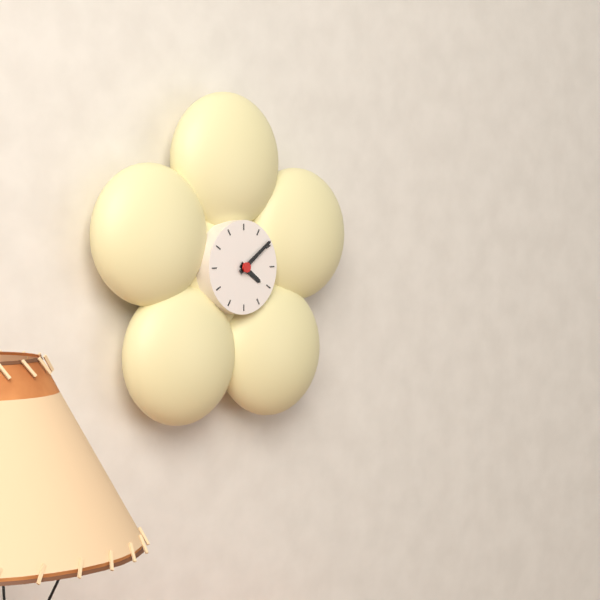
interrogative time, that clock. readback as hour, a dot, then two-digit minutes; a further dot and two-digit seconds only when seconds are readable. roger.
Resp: 4.09
